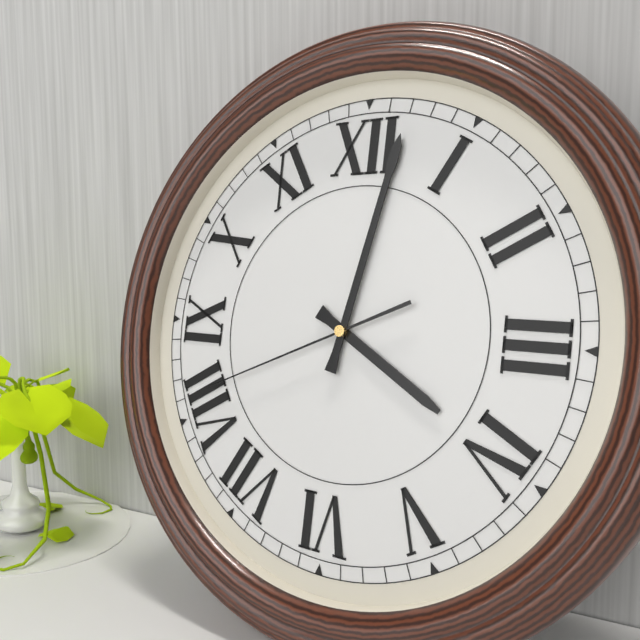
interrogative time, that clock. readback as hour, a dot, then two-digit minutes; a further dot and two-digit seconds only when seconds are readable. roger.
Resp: 4.02.41
